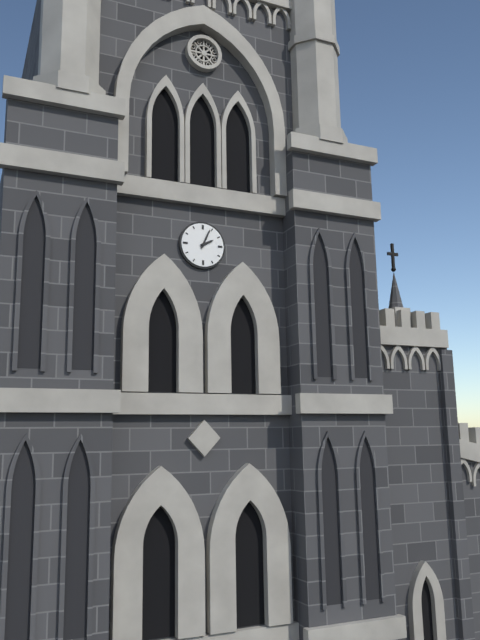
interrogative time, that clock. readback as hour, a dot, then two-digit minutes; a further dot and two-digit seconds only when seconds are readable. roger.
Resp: 2.04
